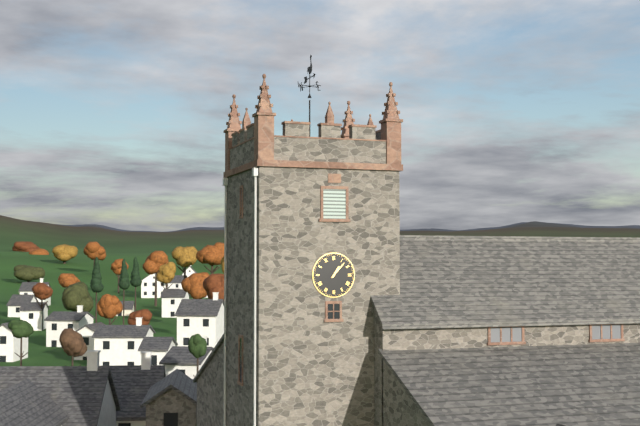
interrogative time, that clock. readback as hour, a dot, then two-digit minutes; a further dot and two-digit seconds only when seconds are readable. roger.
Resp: 1.07
